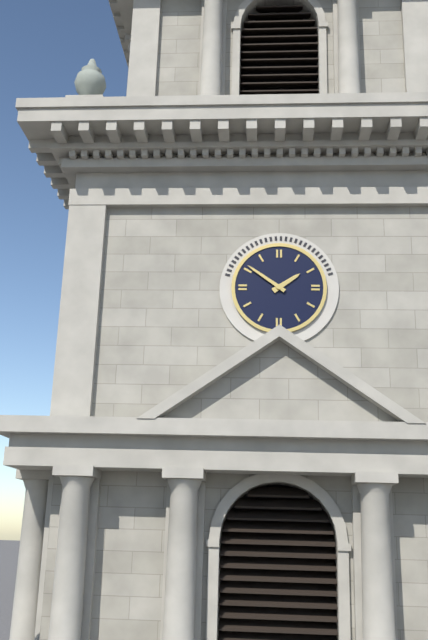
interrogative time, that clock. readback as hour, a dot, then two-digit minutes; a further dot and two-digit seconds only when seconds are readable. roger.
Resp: 1.51
